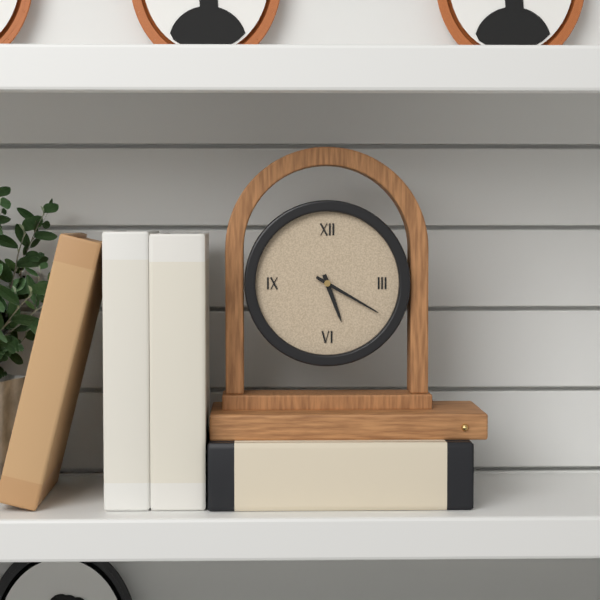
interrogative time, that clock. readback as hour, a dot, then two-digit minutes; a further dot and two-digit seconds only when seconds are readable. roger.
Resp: 5.20
